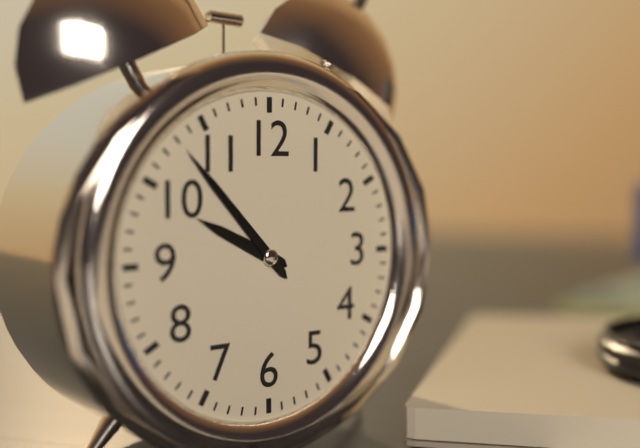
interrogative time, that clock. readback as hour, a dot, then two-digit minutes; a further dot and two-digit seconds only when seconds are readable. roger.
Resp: 9.53
